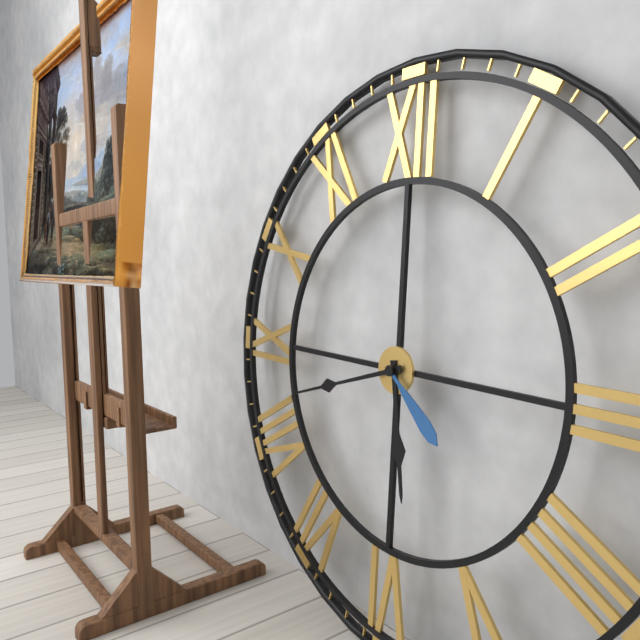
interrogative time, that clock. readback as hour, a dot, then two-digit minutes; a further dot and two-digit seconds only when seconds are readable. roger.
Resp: 5.42.22
